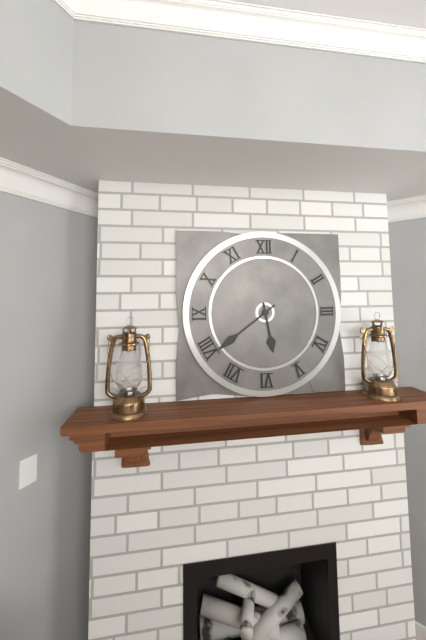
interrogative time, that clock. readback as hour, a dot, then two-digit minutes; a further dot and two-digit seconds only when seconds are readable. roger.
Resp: 5.39
